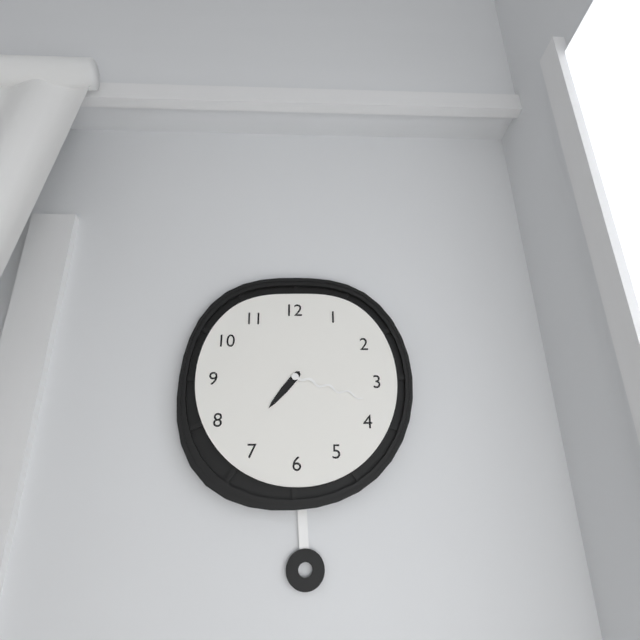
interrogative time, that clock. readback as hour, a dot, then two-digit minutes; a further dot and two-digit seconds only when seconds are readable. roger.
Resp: 7.18
